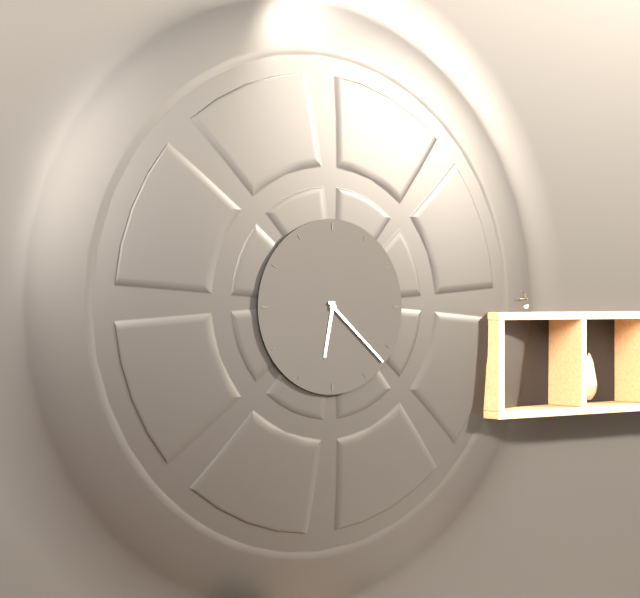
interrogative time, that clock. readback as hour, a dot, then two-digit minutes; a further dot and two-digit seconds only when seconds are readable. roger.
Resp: 6.22
